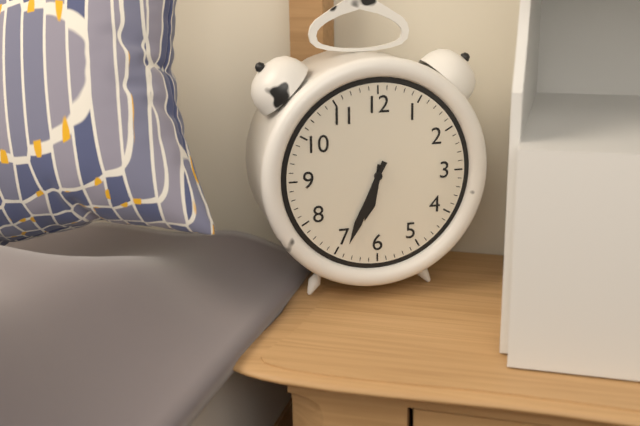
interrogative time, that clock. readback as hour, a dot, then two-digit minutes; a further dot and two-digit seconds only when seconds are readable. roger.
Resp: 6.34
